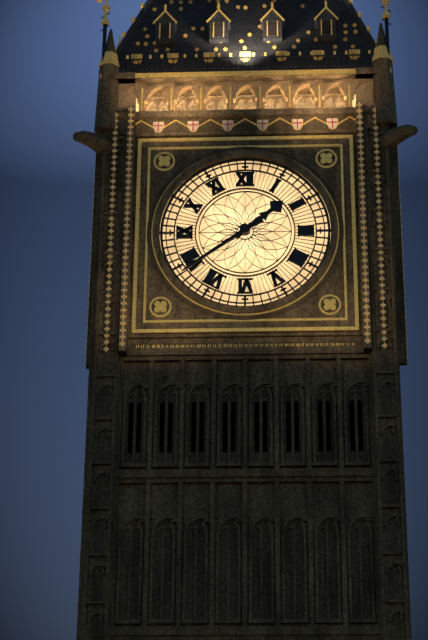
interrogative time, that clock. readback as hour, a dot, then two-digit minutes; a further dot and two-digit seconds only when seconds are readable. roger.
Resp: 1.39
